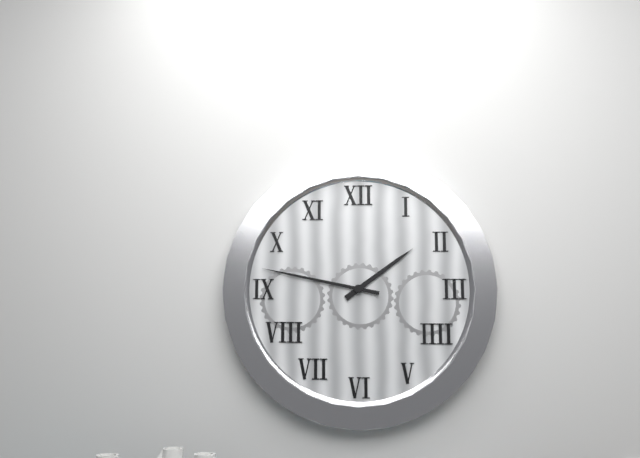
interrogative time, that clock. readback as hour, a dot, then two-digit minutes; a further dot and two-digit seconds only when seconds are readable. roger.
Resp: 1.47
